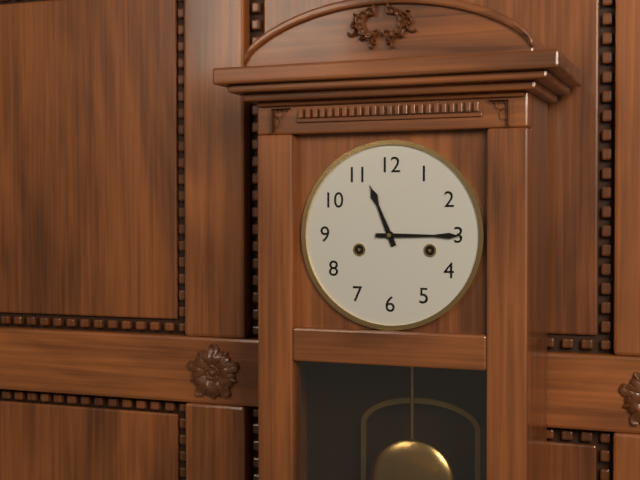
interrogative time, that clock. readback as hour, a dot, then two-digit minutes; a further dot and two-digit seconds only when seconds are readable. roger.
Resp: 11.15
